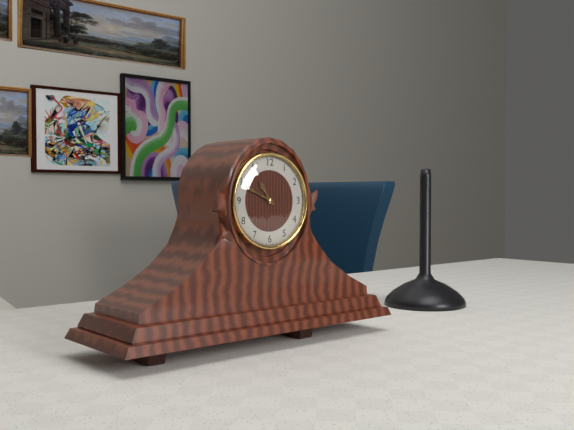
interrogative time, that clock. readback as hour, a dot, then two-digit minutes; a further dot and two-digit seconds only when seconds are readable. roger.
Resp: 10.49
